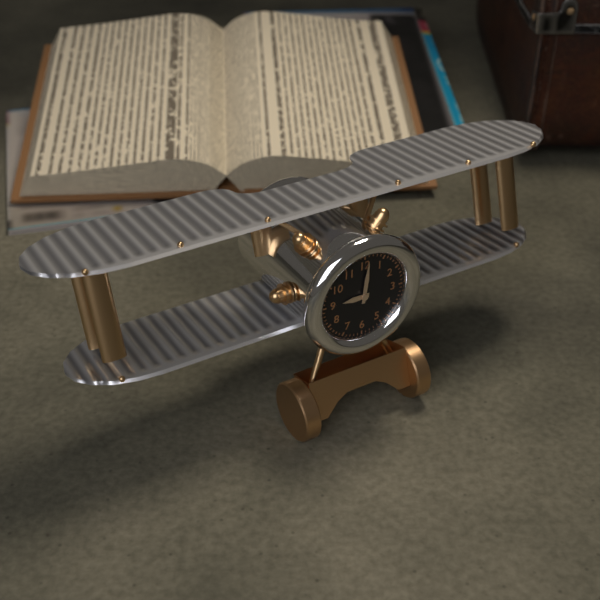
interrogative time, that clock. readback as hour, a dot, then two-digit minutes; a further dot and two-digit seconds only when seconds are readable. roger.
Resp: 9.01
